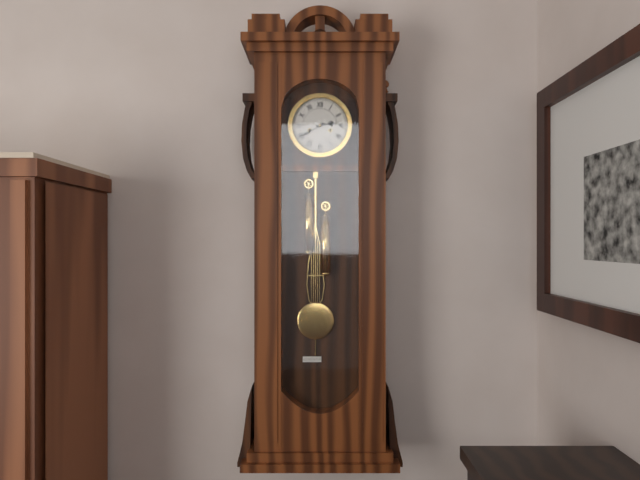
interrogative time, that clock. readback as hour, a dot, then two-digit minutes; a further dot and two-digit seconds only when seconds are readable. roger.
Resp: 2.40
